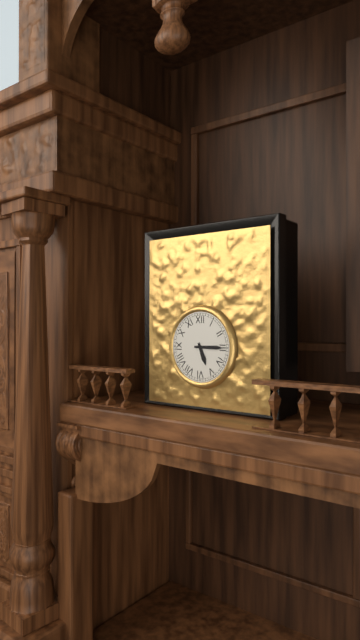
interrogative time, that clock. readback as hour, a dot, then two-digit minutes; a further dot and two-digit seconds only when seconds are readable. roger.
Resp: 5.15
